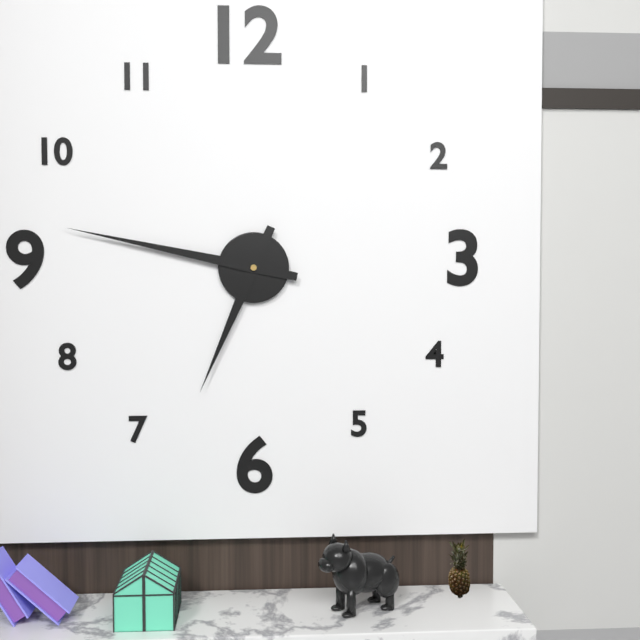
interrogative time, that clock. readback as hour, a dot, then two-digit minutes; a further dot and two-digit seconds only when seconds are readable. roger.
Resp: 6.47
